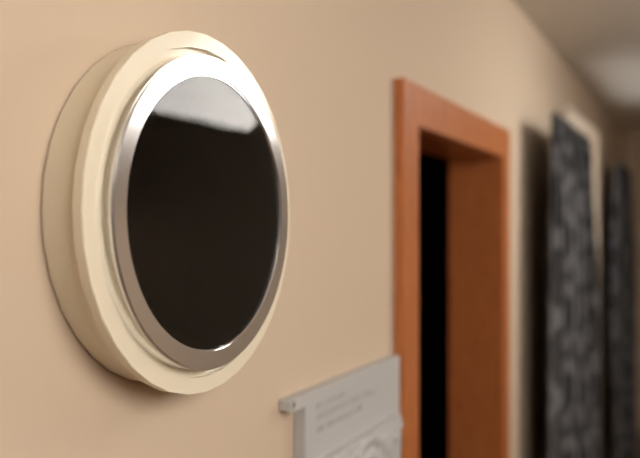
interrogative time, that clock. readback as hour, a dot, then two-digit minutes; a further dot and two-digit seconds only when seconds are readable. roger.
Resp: 7.41
